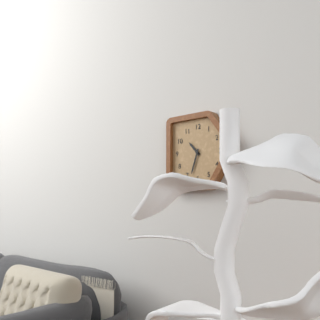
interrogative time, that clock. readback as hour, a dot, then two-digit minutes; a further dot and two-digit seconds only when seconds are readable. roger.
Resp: 10.33
